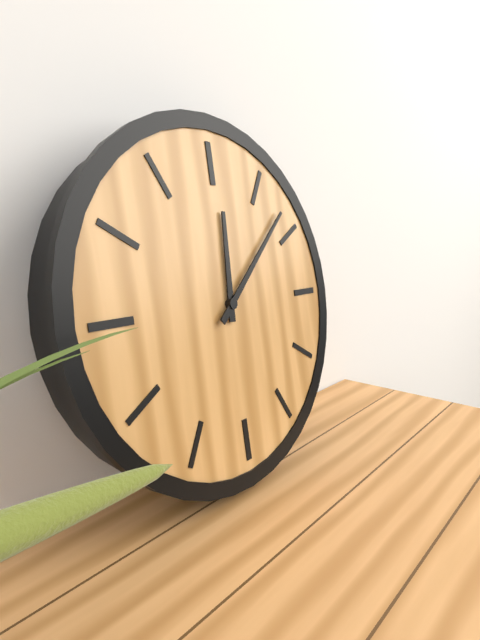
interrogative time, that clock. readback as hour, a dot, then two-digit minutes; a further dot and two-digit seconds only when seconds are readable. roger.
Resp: 12.08
